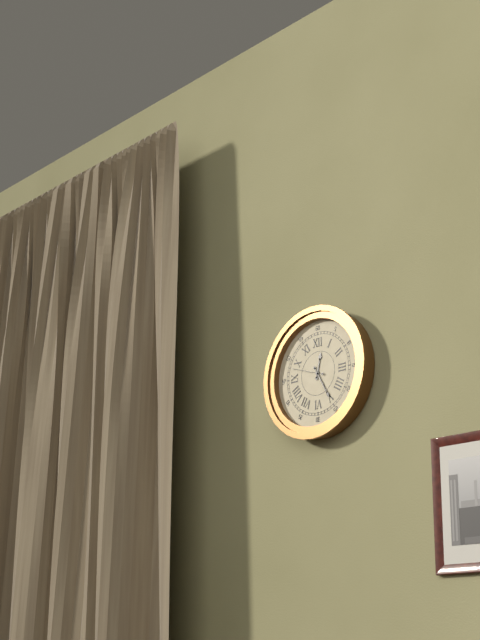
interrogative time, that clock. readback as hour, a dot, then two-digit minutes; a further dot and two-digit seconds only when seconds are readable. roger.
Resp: 12.25
